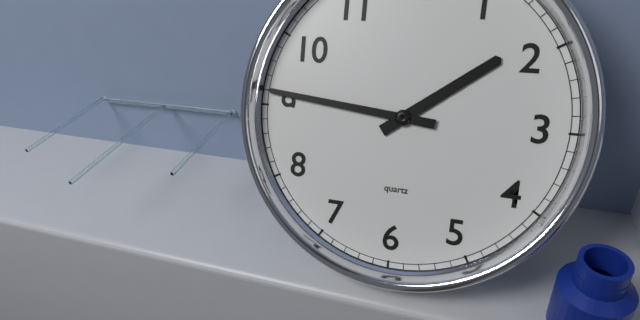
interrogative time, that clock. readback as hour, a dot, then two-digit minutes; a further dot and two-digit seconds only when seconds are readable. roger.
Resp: 1.46
